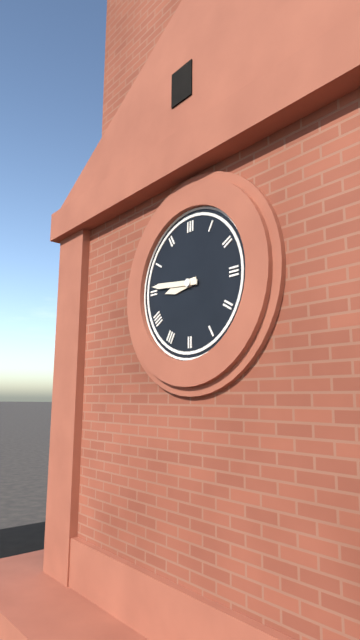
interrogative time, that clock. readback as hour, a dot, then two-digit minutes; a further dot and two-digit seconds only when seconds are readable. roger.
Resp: 8.46
